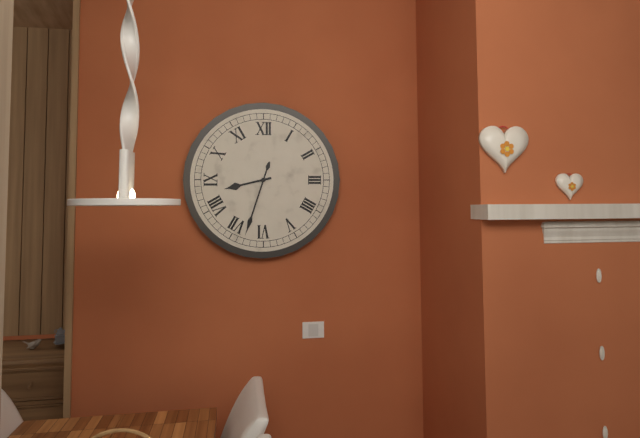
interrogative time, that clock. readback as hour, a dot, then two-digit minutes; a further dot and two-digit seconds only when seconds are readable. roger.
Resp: 8.33
